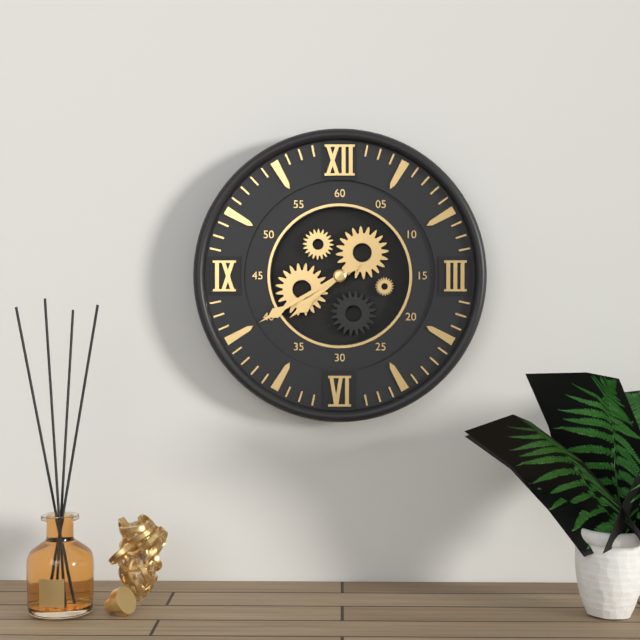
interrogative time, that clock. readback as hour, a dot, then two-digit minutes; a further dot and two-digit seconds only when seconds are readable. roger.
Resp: 7.40
